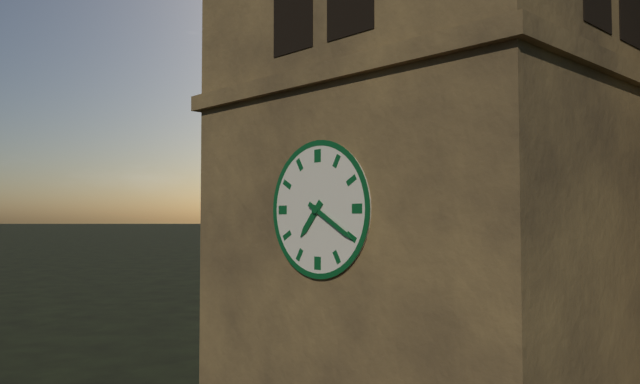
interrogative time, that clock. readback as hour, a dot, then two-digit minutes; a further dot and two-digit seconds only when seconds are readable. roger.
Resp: 7.20
